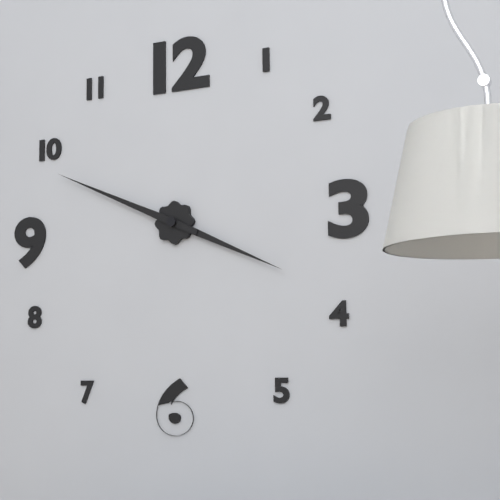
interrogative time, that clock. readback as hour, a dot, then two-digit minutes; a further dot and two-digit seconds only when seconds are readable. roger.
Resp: 3.49
